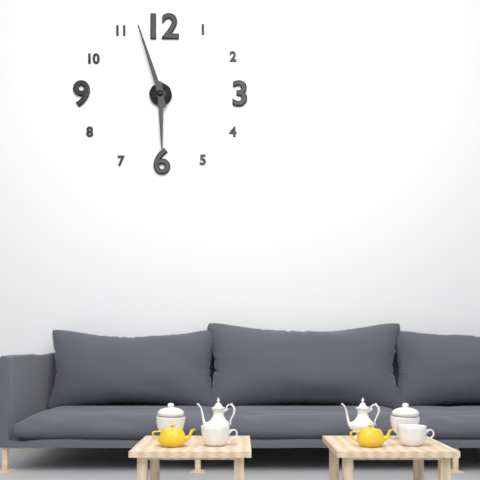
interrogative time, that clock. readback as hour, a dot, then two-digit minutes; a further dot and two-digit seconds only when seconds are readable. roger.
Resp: 5.57
